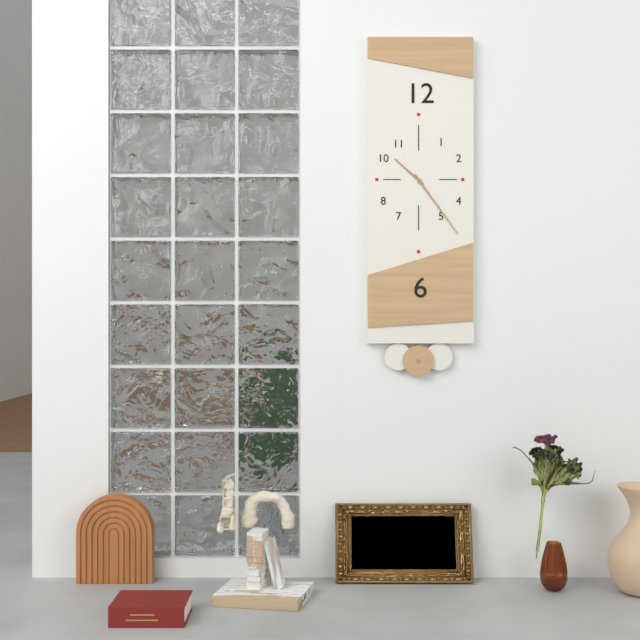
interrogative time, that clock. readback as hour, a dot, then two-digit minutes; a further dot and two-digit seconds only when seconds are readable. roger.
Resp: 10.24
